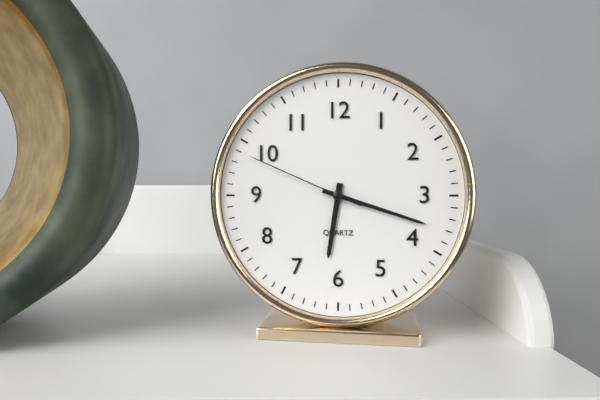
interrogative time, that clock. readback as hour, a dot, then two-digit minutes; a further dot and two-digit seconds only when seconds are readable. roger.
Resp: 6.18.49
